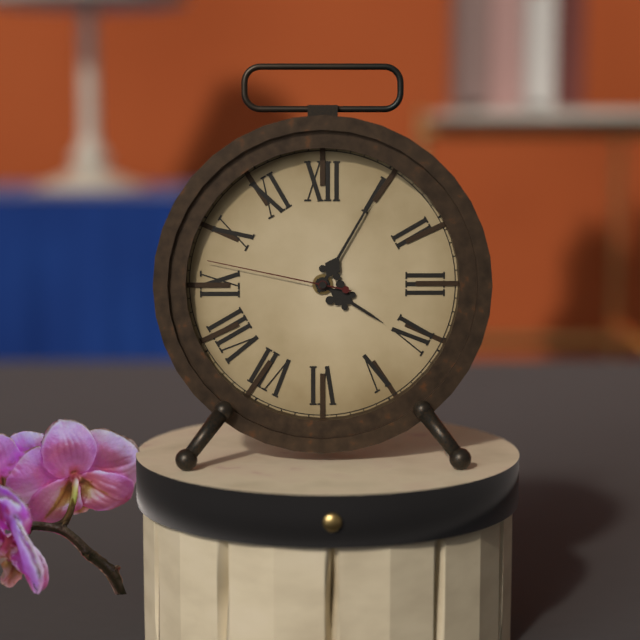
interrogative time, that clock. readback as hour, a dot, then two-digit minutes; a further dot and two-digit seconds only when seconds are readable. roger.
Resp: 4.05.47
